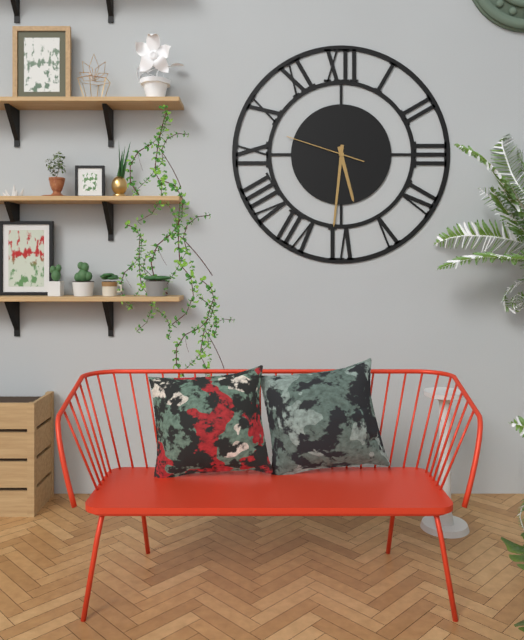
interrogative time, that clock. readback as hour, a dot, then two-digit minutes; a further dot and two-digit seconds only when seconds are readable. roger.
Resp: 5.31.48
